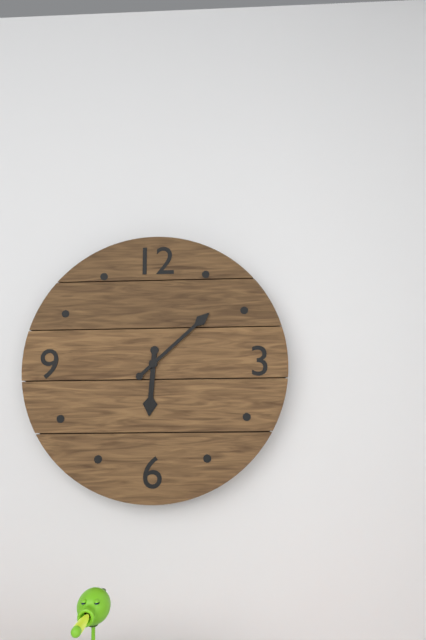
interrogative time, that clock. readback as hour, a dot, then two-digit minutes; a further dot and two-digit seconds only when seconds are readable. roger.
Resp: 6.08
